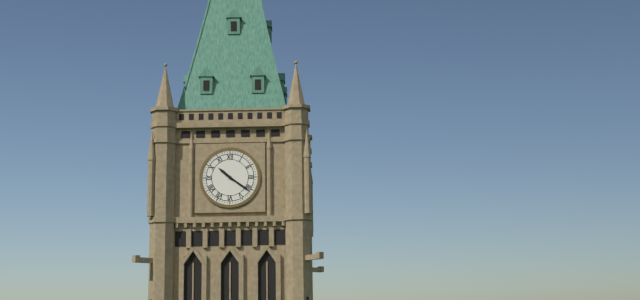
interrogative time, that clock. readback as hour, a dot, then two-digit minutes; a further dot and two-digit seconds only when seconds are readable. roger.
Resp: 10.21
